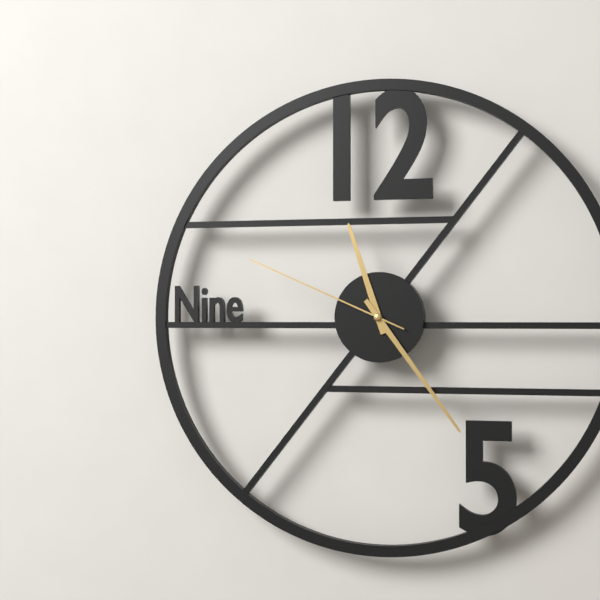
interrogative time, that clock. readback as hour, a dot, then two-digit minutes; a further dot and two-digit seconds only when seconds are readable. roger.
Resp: 11.24.49
